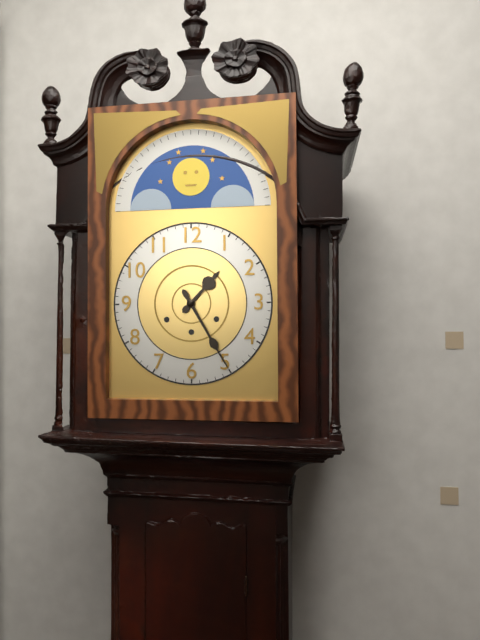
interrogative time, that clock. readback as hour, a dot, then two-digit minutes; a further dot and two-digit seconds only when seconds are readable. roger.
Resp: 1.25
